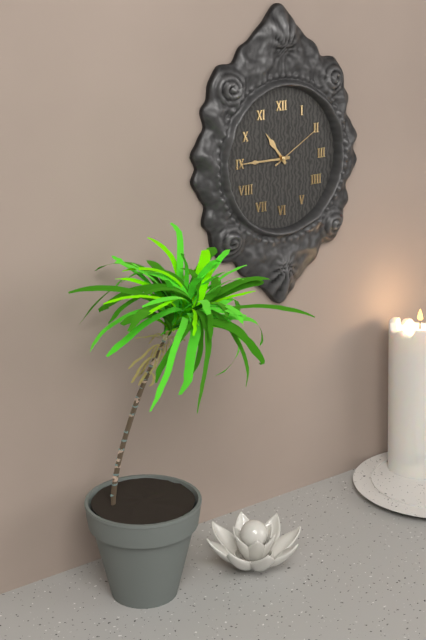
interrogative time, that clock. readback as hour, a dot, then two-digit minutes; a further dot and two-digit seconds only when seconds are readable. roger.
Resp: 10.45.10
